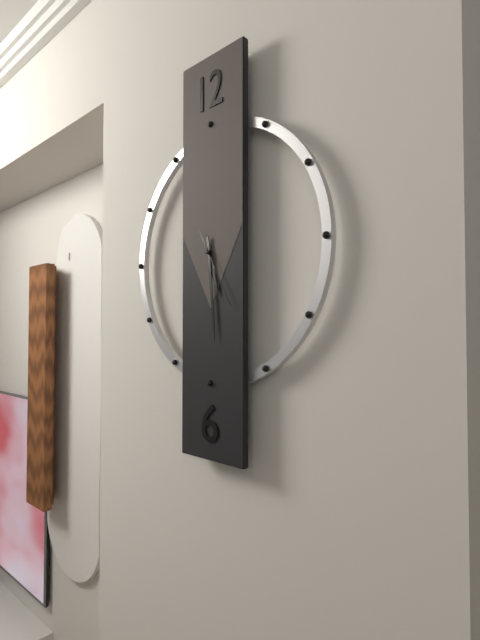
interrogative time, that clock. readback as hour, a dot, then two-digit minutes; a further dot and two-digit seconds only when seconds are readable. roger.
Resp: 5.29.25
